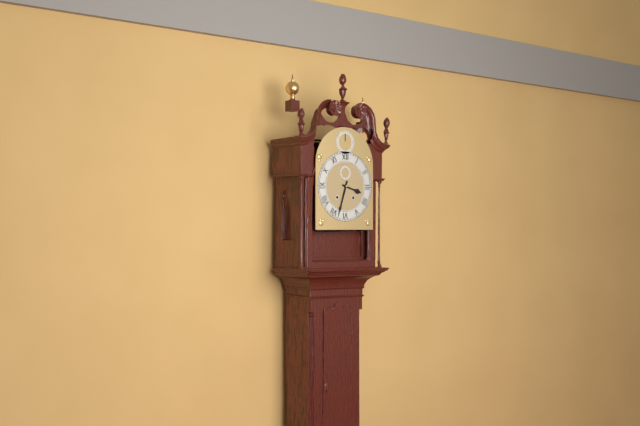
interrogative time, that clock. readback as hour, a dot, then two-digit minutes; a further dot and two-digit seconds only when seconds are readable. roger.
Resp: 3.33
